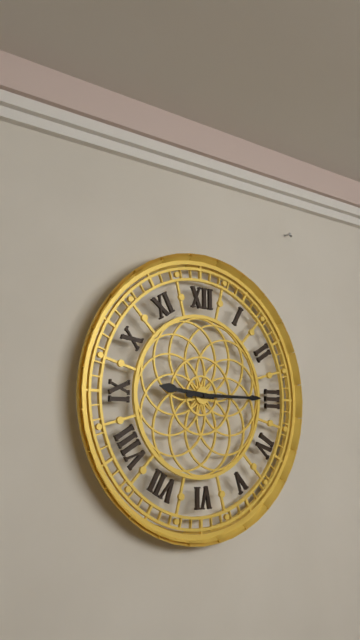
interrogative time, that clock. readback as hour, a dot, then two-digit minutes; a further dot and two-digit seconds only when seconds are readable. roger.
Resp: 9.15
